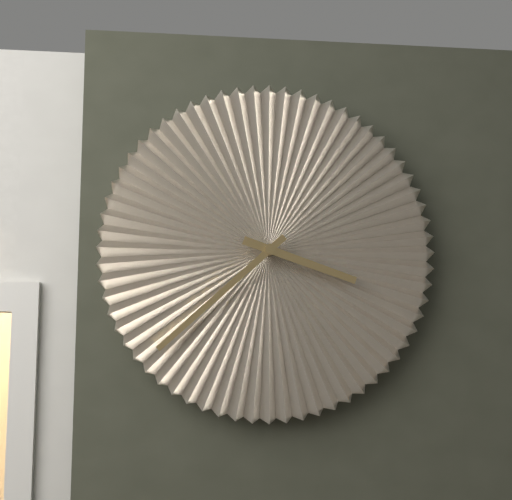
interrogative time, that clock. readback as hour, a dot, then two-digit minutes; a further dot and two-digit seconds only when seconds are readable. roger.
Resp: 3.38
